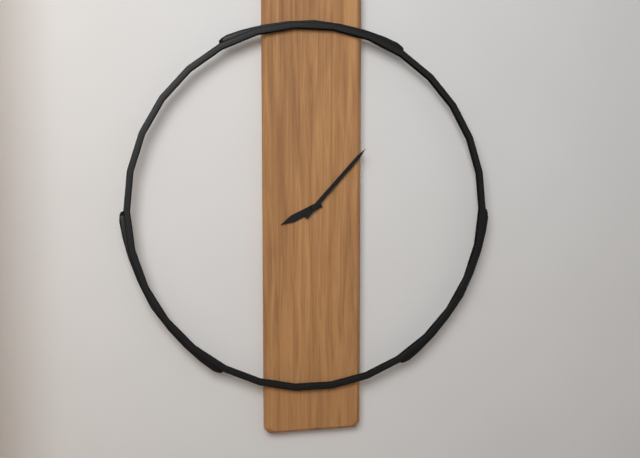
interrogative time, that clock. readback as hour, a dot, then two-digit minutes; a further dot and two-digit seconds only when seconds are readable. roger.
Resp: 8.07
